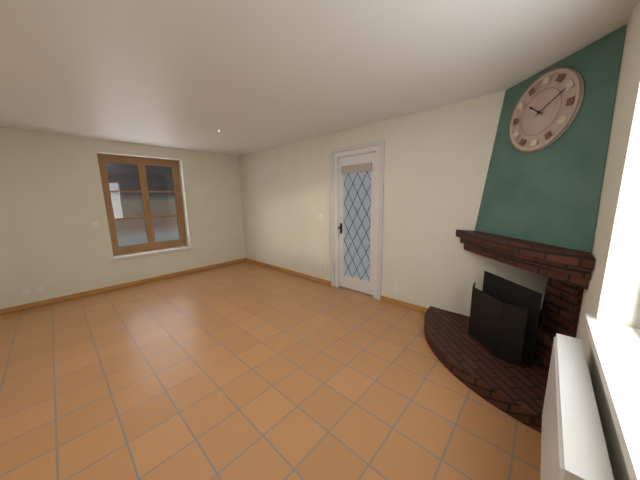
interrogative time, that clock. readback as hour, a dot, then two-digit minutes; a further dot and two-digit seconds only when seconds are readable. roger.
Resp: 10.10
